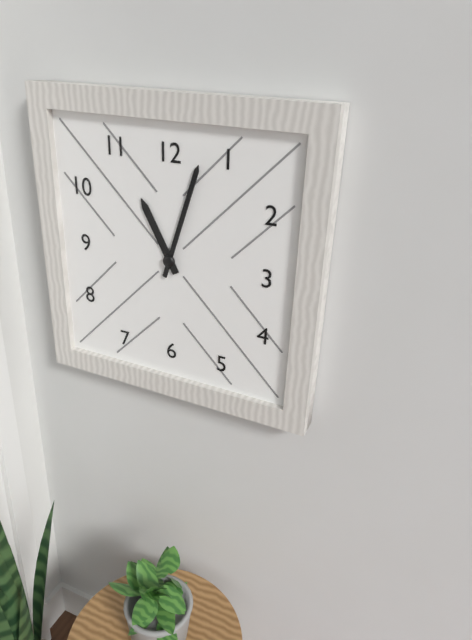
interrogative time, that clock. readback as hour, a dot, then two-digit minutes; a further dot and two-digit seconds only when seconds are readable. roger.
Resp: 11.03
